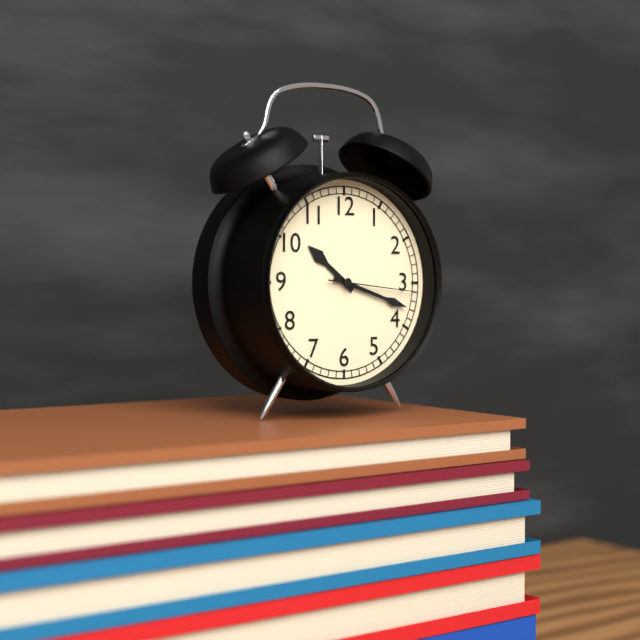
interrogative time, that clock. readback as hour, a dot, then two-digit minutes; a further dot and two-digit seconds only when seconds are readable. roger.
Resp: 10.18.16
